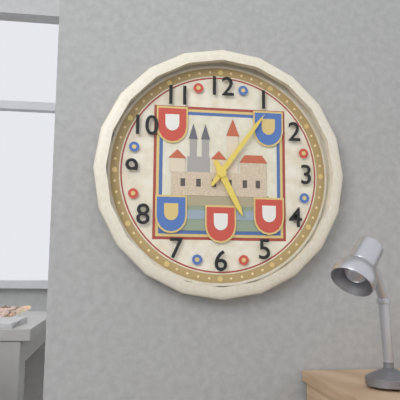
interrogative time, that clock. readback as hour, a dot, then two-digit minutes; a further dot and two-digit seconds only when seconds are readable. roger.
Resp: 5.06
